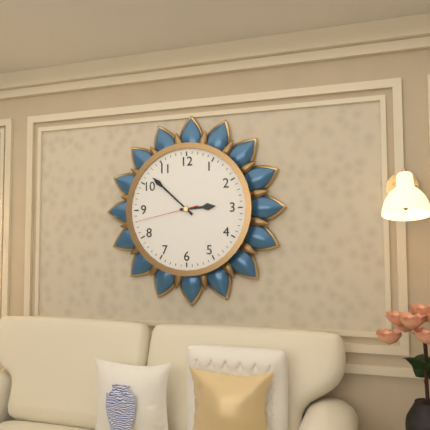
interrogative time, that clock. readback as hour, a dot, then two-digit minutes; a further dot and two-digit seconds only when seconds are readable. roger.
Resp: 2.52.43
